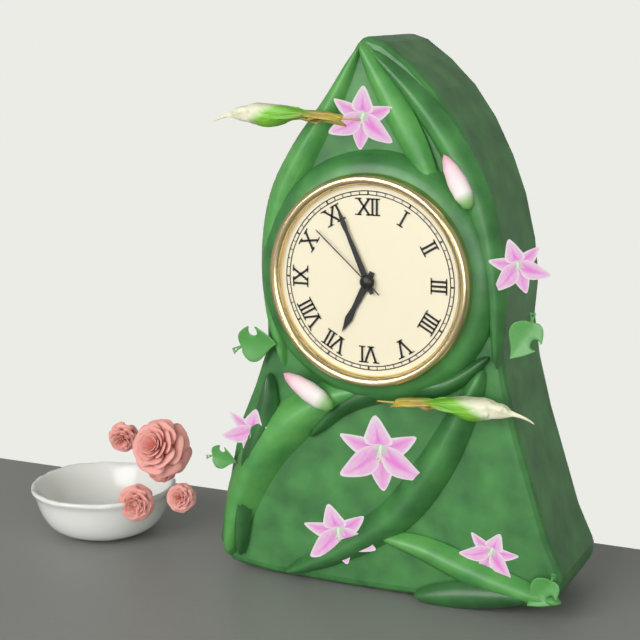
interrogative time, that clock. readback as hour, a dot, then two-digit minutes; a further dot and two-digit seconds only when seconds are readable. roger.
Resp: 6.56.52
